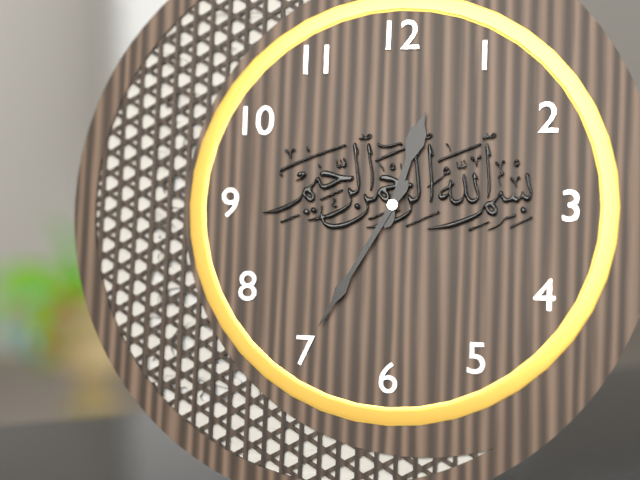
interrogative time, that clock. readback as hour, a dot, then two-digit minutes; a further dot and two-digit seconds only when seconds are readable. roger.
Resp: 12.35
